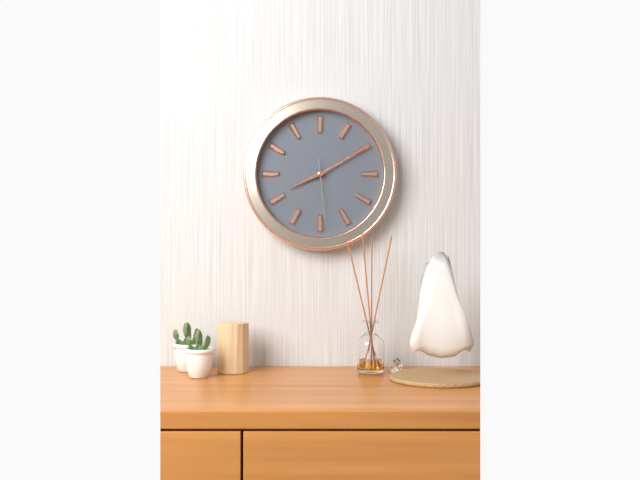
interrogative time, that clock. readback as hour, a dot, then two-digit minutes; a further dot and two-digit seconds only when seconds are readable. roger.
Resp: 8.10.29
